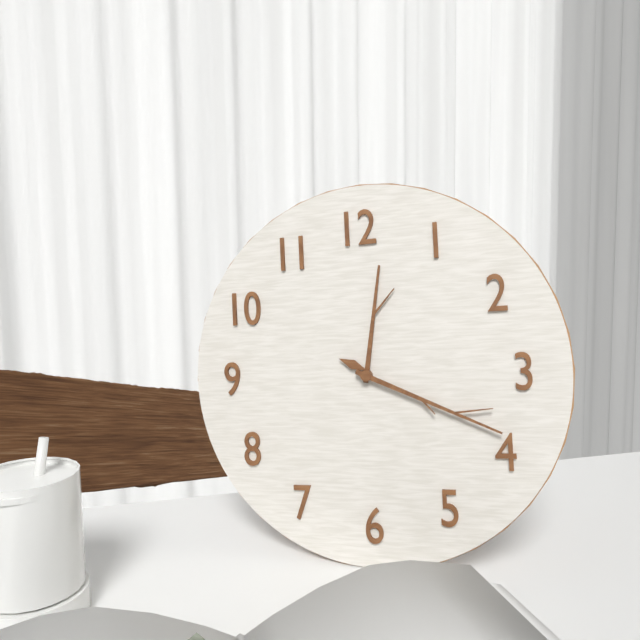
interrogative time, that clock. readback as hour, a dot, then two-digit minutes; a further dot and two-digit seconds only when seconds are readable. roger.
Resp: 12.19
